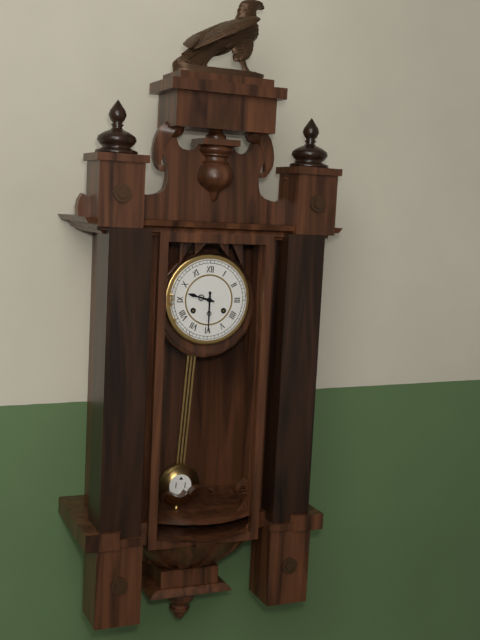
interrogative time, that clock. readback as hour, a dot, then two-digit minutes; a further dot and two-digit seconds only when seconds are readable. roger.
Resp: 9.30
